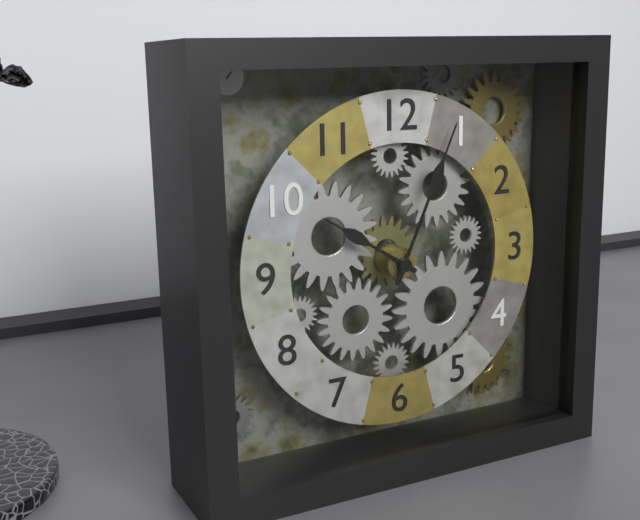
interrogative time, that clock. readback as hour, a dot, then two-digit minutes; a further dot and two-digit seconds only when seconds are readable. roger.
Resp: 10.04
